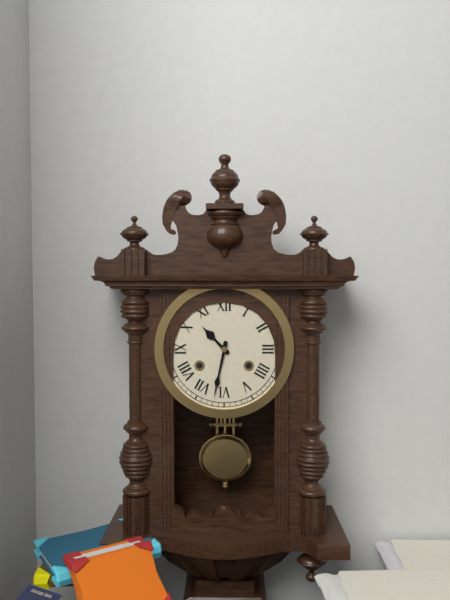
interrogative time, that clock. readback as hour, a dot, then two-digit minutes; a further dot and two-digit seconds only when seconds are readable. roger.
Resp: 10.32
